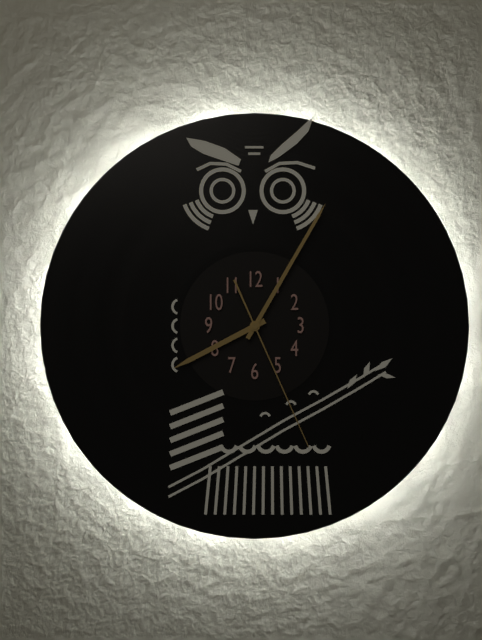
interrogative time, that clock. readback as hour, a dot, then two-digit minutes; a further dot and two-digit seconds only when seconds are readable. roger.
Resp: 8.05.26
